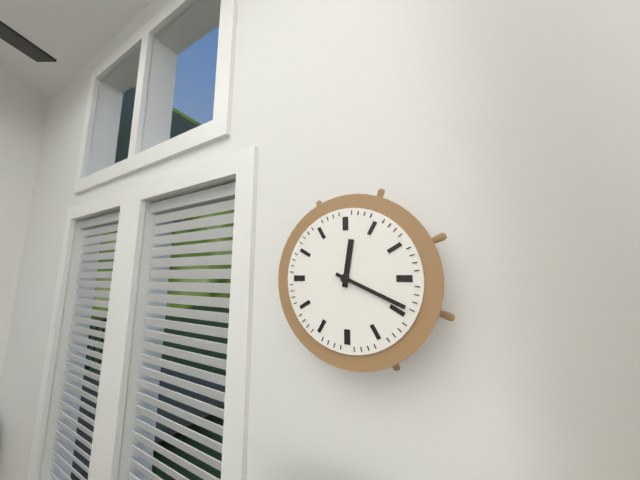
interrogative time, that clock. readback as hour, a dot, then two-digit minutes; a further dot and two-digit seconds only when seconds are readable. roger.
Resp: 12.19
